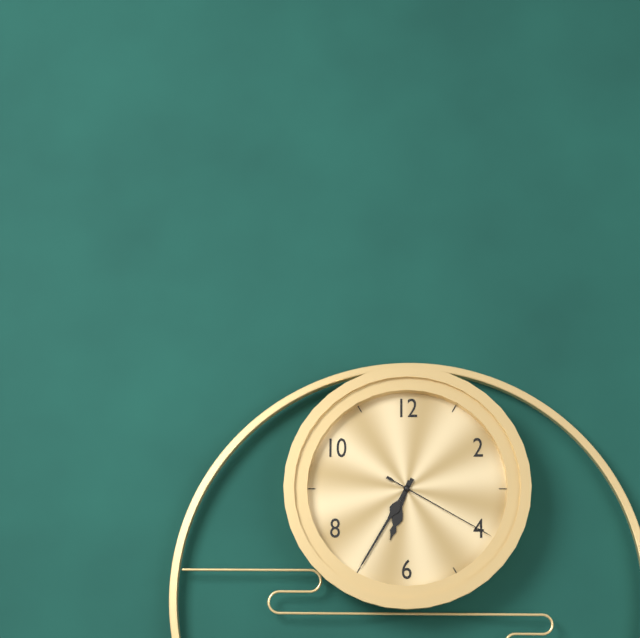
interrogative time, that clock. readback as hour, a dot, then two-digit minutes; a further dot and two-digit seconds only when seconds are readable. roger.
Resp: 6.35.20
